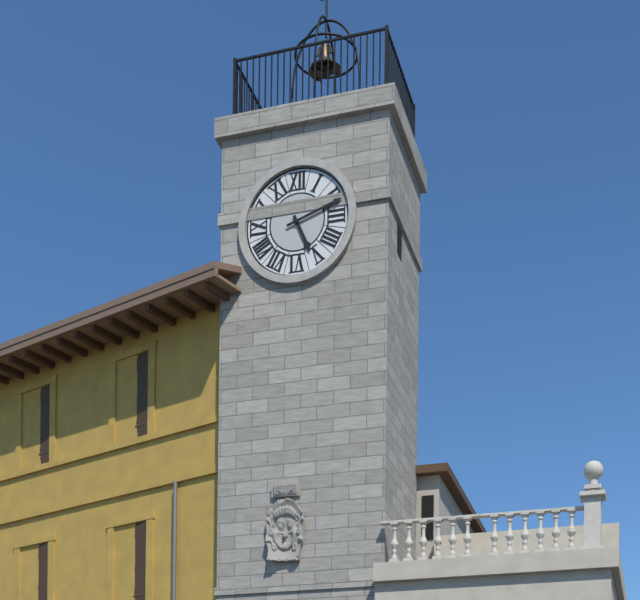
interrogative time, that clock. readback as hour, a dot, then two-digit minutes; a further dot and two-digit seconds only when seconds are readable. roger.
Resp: 5.12
